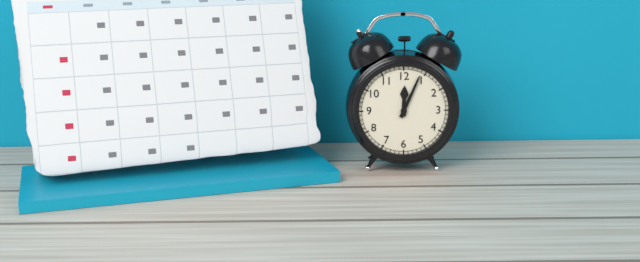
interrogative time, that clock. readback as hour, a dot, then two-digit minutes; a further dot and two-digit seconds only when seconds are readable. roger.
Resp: 12.04
